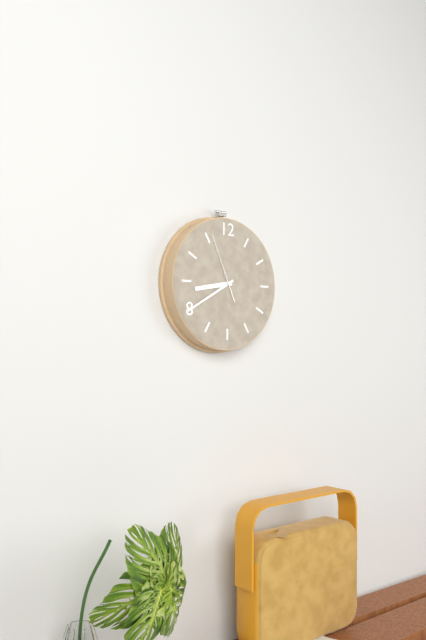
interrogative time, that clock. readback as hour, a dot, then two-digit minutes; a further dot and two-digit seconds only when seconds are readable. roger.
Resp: 8.40.56
